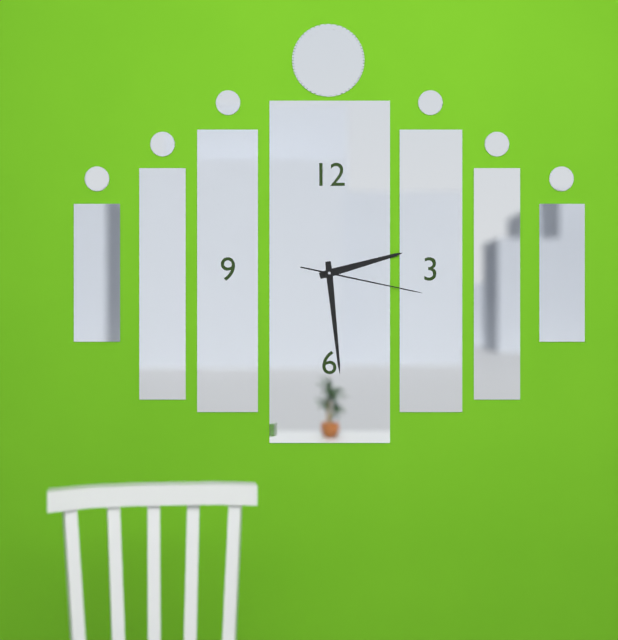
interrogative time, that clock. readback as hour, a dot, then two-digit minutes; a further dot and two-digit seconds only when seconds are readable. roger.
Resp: 2.29.17
